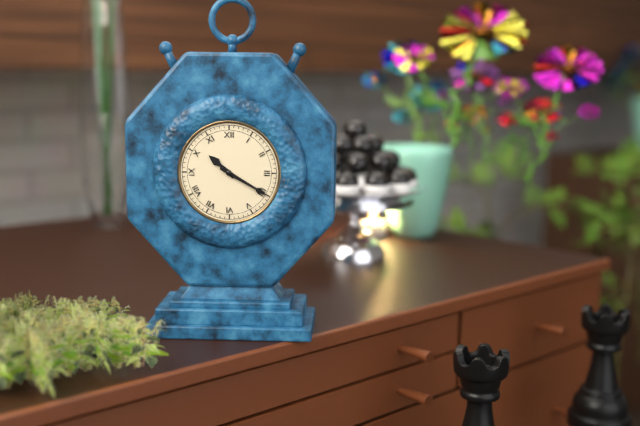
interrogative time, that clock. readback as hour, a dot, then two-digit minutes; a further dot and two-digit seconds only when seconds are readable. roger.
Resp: 10.20
